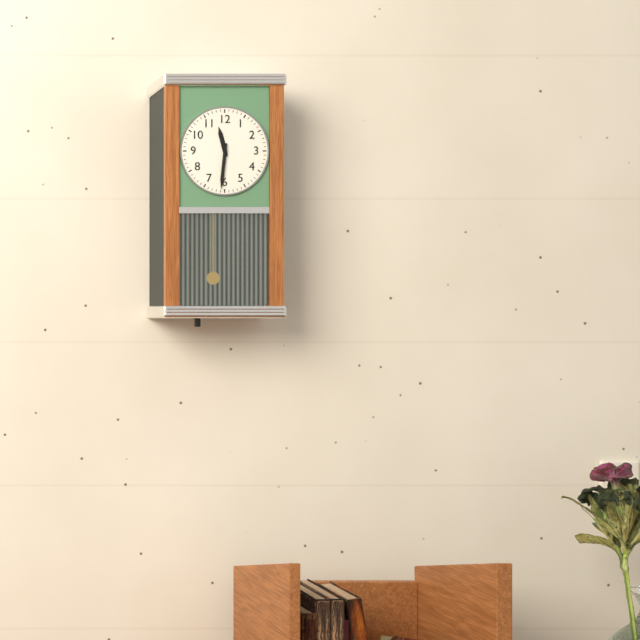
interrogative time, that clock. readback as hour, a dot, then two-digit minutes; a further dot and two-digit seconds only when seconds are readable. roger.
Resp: 11.31
